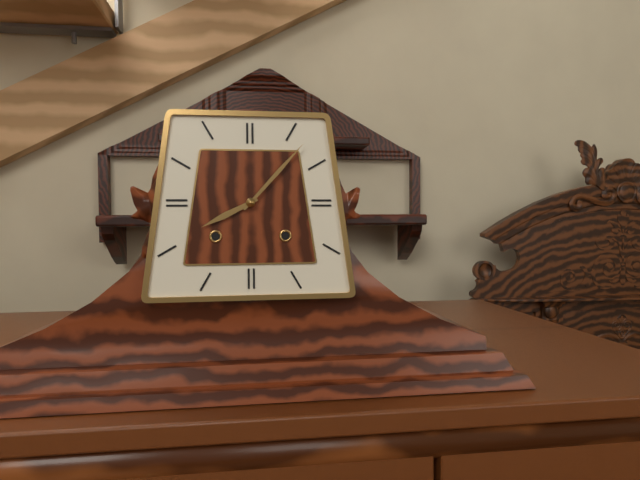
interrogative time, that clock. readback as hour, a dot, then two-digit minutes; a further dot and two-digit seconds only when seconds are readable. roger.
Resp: 8.07
